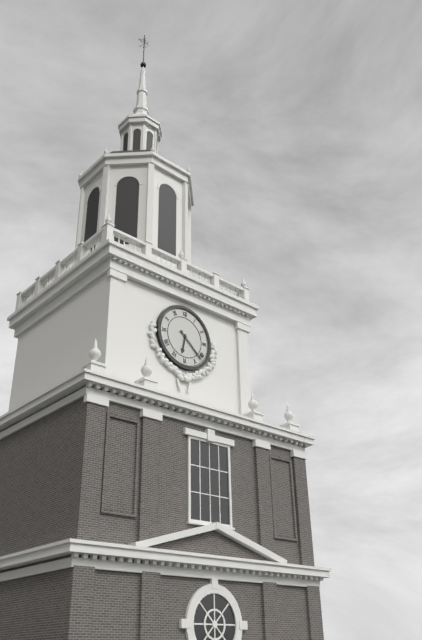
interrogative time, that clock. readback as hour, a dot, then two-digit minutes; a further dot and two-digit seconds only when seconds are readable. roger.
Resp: 6.22
